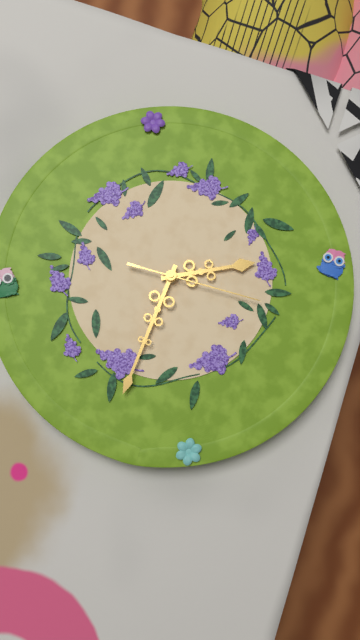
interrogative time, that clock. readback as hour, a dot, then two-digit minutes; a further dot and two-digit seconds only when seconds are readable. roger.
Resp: 2.33.17
